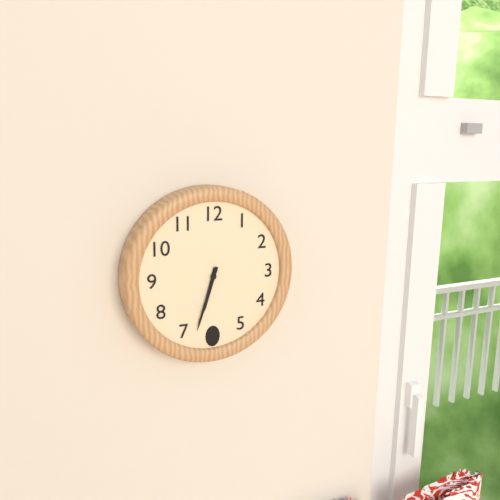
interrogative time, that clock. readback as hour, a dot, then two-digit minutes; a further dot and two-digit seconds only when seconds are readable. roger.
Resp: 6.33
